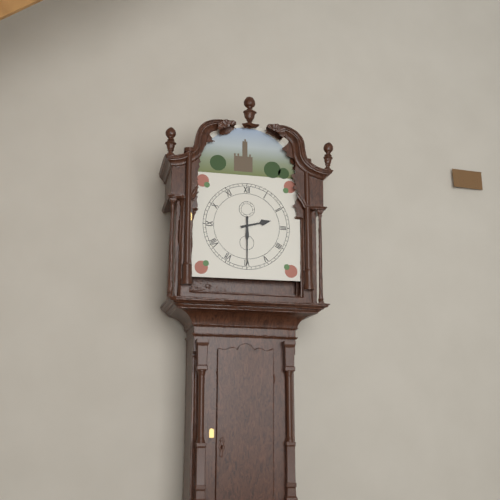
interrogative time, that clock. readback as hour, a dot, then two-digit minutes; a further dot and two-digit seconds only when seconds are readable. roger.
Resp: 2.30
